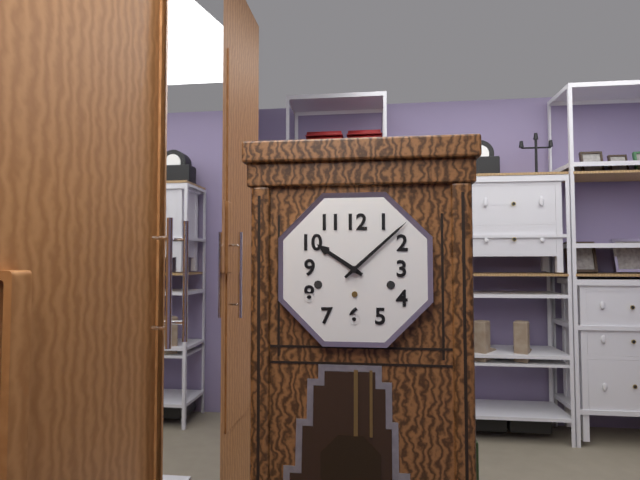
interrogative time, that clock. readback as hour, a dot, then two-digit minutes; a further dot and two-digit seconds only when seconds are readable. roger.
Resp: 10.08
